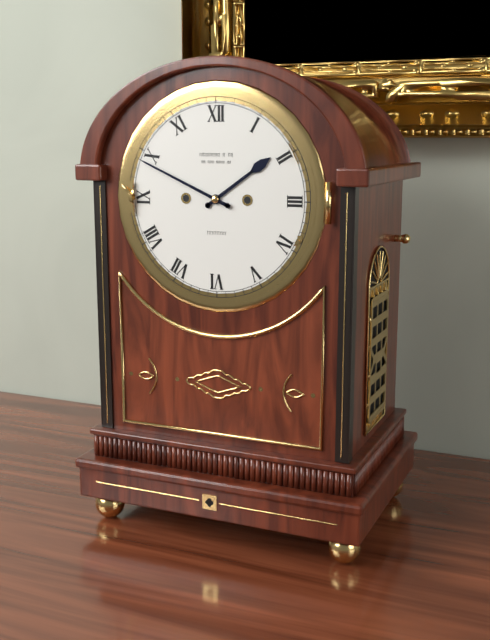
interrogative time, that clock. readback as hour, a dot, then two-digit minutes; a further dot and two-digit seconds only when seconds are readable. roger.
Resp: 1.49
